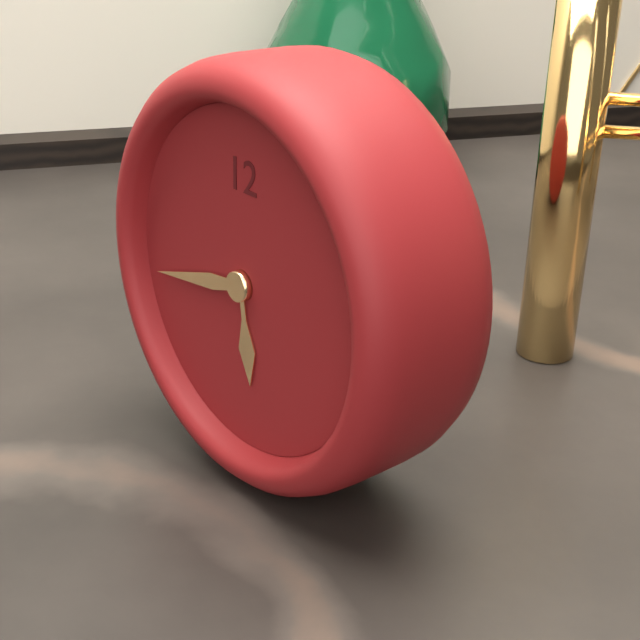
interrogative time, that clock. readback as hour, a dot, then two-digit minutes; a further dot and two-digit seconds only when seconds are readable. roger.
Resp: 5.43
